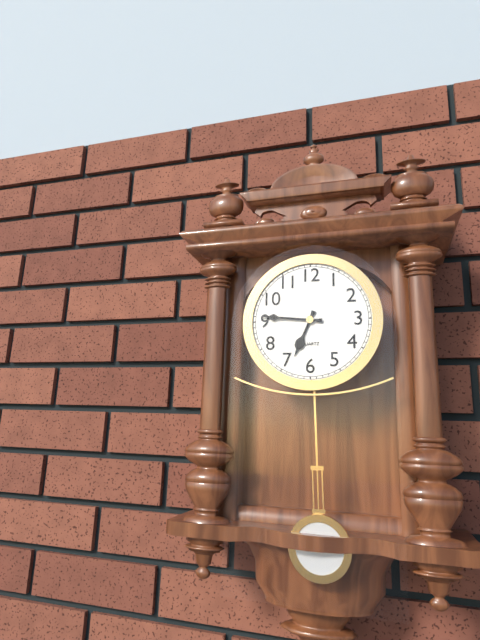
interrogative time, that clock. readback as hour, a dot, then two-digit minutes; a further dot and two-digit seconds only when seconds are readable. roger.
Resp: 6.46
